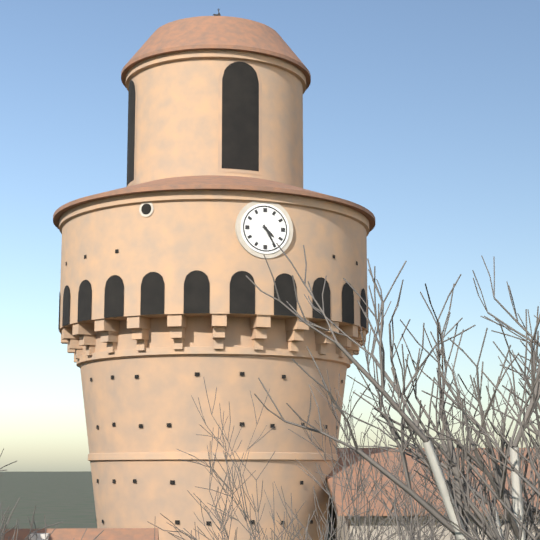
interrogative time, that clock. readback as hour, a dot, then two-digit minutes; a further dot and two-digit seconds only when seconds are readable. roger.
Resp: 4.25
